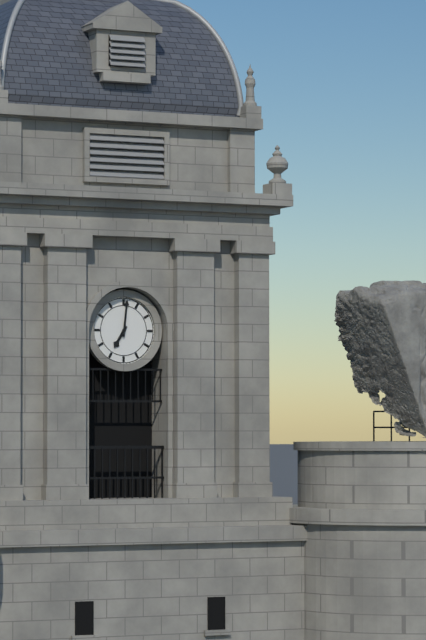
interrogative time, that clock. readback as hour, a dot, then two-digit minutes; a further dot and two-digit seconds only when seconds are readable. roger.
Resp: 7.01
